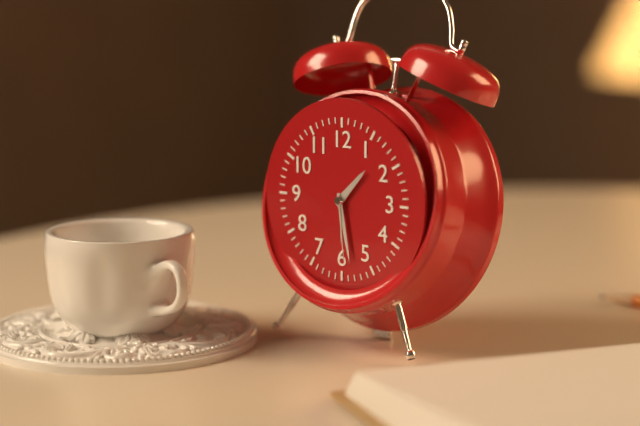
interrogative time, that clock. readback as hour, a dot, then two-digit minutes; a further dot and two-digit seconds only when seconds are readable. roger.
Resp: 1.28.29
